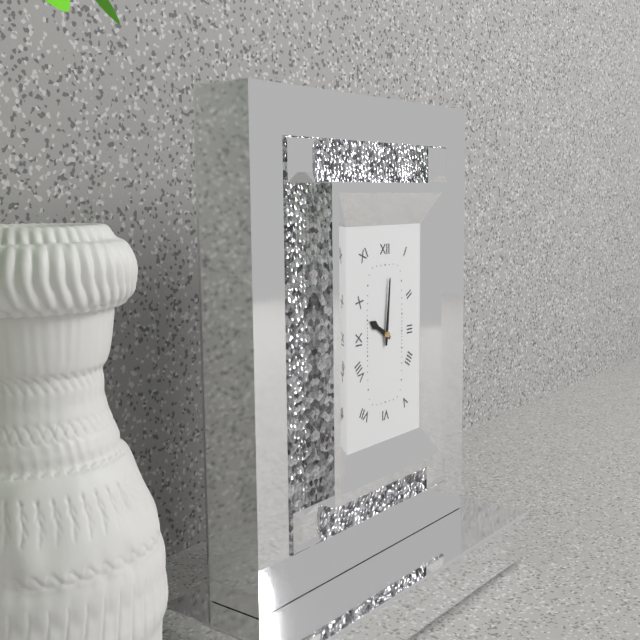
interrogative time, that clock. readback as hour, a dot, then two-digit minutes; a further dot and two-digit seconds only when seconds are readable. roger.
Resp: 10.01
